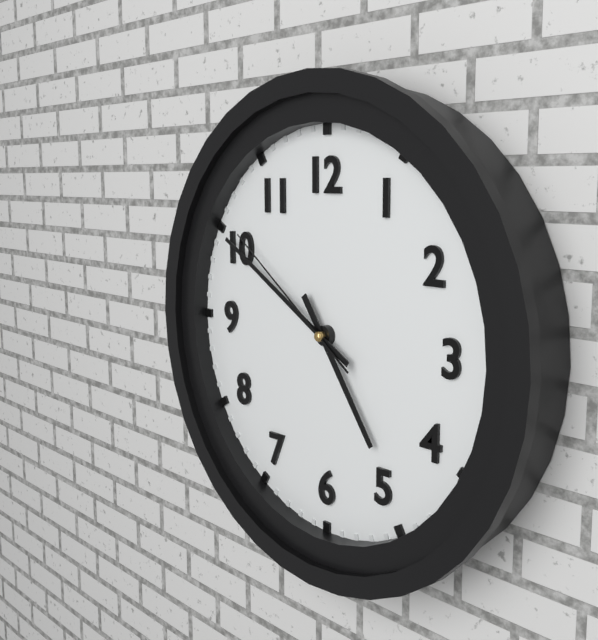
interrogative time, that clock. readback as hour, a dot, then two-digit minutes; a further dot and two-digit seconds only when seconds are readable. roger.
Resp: 4.50.51
